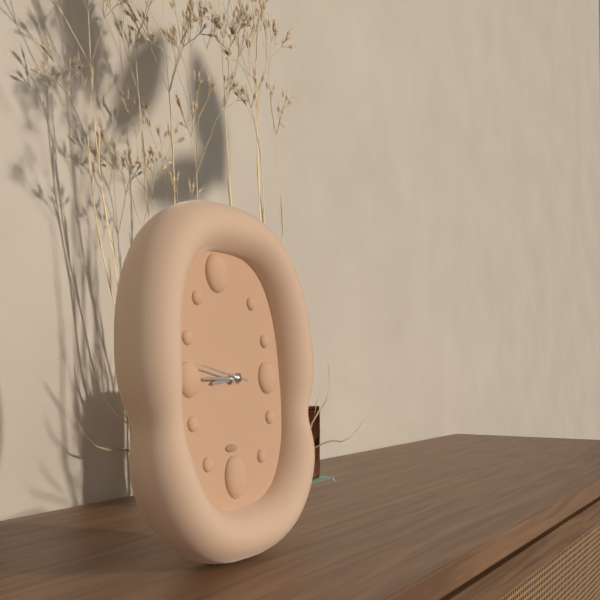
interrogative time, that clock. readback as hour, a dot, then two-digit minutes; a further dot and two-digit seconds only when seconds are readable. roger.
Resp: 8.45.47
